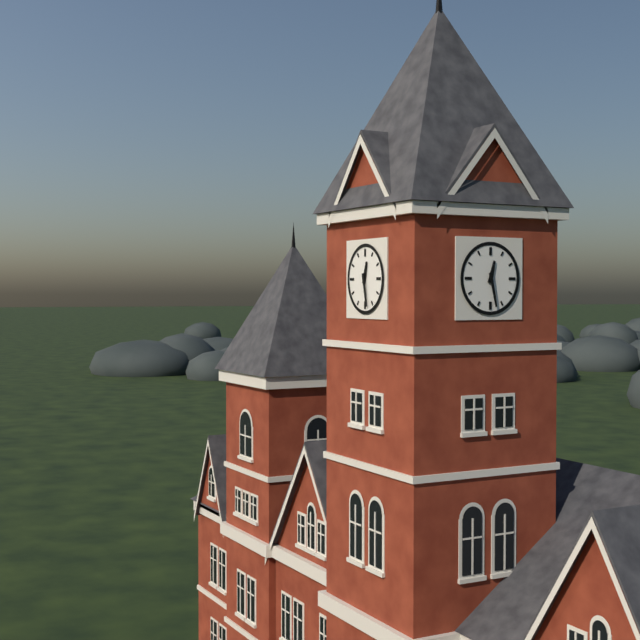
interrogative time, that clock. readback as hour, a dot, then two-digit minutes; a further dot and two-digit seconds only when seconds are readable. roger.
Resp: 12.28
